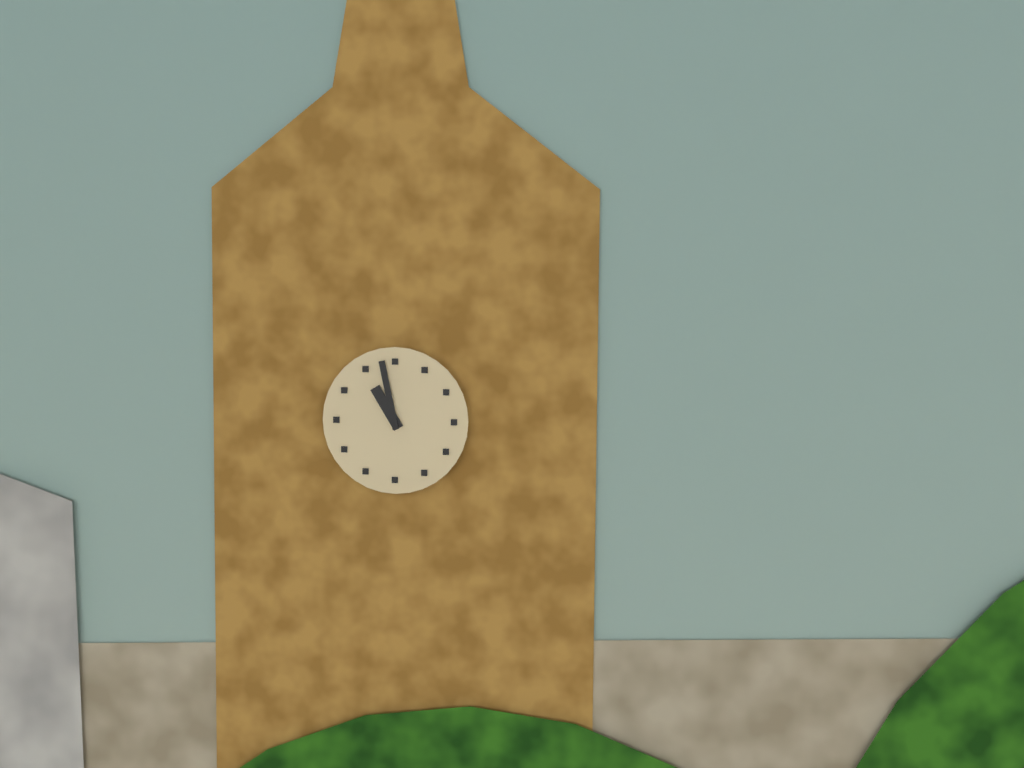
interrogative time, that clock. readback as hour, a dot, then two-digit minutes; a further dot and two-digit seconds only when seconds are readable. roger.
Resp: 10.58
